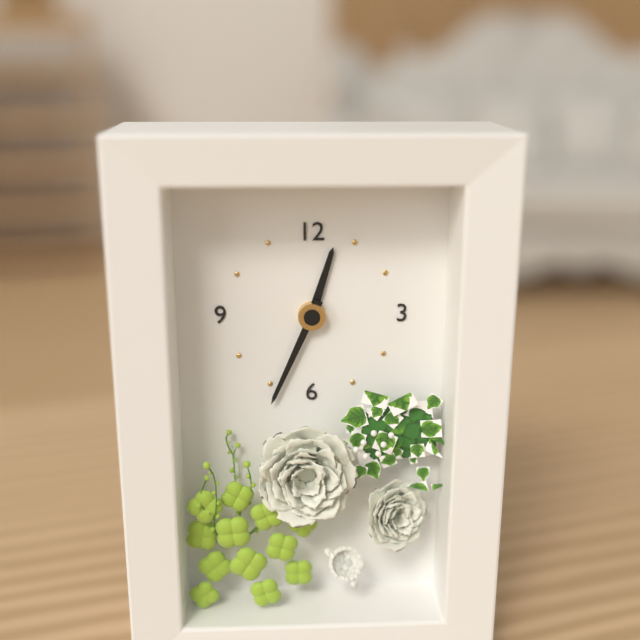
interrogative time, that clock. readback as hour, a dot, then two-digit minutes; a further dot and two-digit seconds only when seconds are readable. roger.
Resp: 12.34
